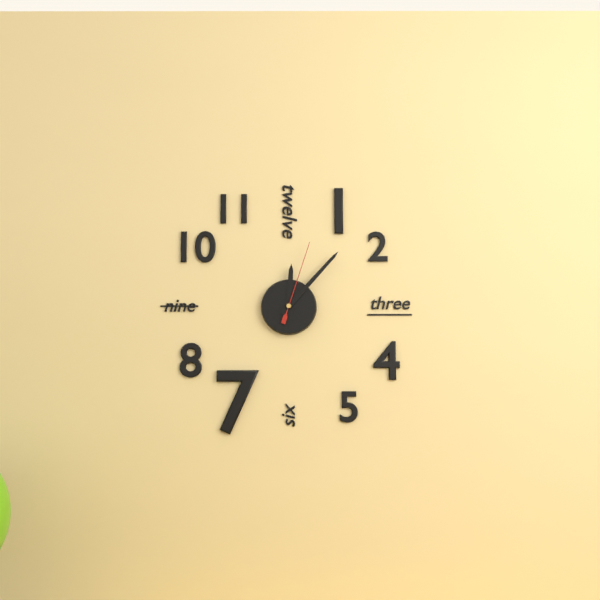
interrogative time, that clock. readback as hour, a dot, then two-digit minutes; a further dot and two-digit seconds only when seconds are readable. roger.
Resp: 12.07.03
